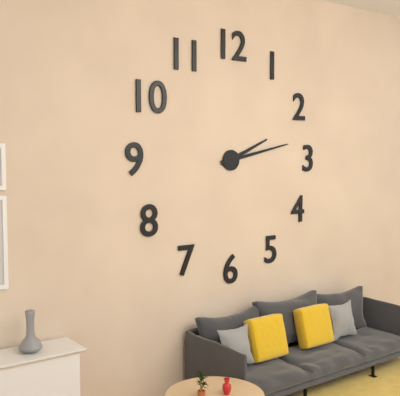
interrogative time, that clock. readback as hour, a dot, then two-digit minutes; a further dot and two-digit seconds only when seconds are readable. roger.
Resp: 2.13
